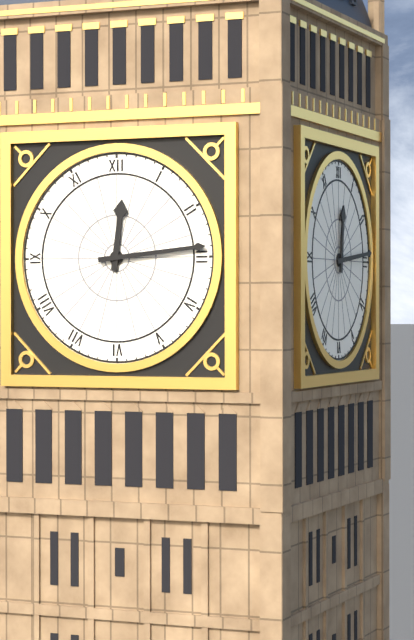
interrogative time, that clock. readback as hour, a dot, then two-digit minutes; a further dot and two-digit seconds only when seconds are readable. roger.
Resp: 12.14
